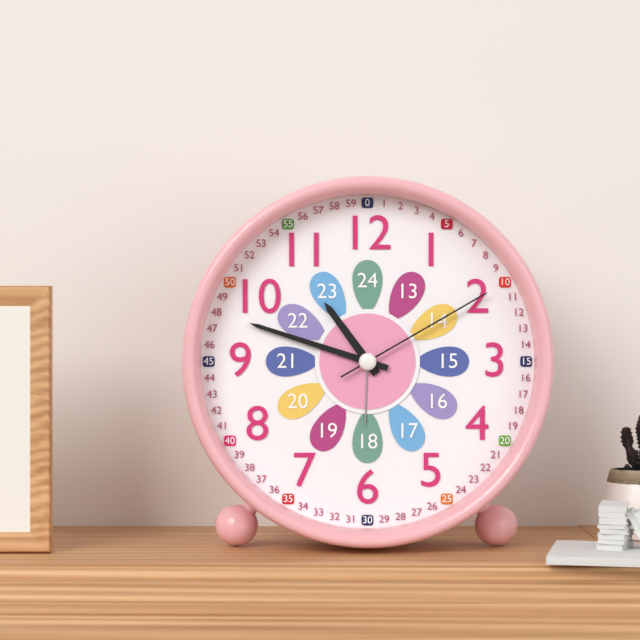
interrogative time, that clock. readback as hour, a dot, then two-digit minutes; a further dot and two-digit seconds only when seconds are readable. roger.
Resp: 10.48.10
